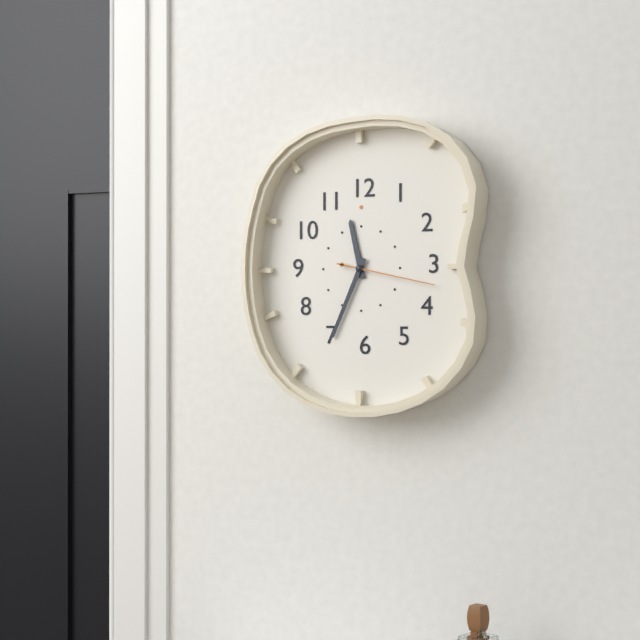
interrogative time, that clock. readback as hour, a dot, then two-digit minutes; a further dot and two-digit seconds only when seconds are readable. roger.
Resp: 11.34.17
